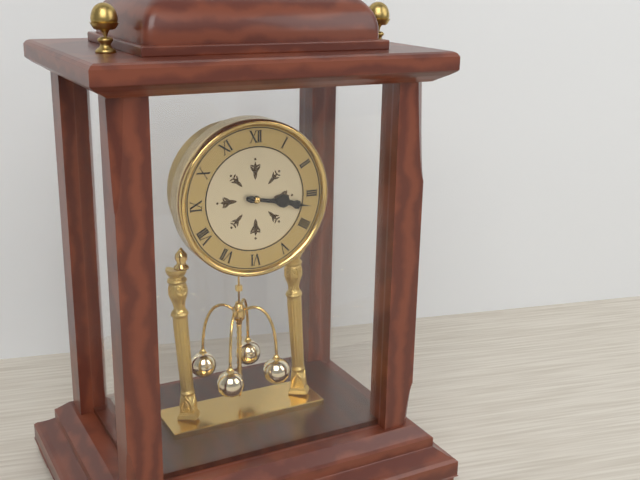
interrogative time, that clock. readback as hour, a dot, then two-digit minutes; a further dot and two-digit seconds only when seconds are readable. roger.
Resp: 3.17
